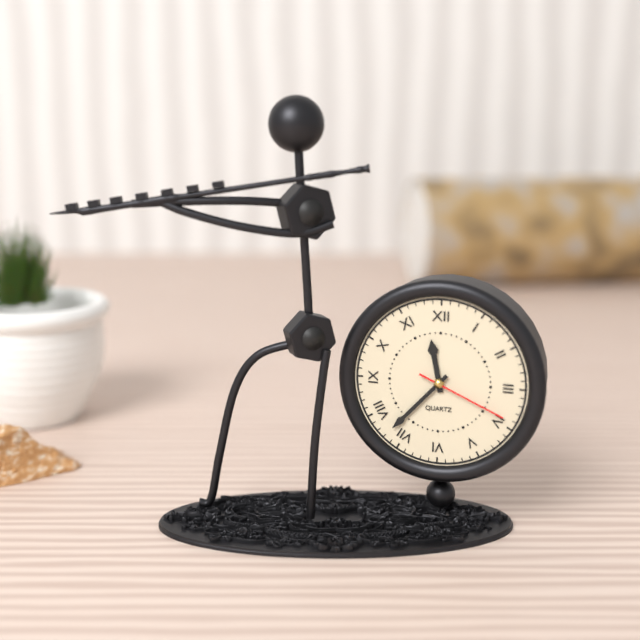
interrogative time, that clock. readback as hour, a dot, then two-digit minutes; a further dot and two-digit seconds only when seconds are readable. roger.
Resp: 11.37.19
